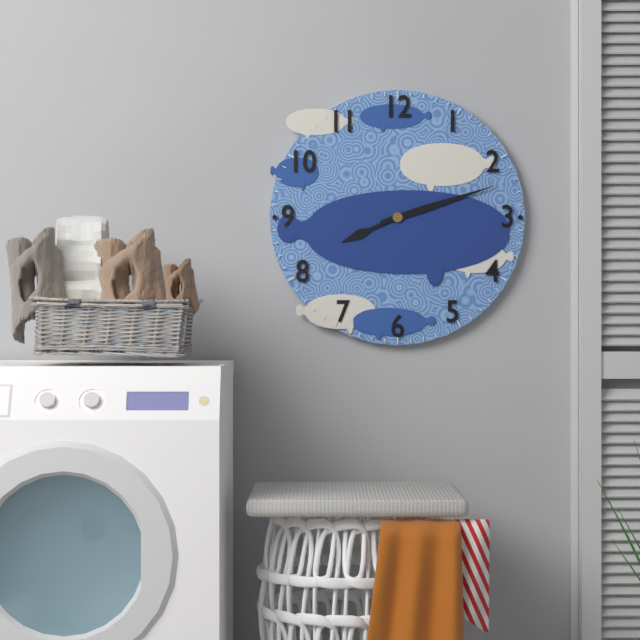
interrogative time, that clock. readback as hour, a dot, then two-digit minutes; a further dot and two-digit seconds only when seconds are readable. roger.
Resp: 8.12
